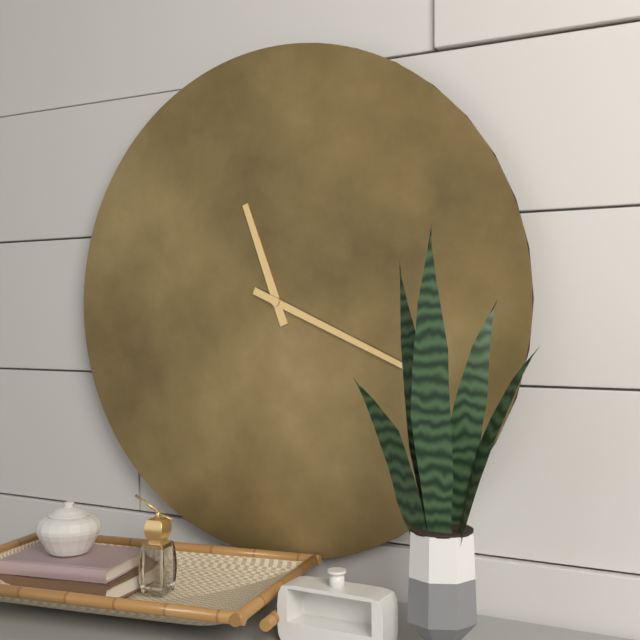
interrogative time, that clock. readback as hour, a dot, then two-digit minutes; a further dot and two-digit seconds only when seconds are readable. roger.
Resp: 11.19
